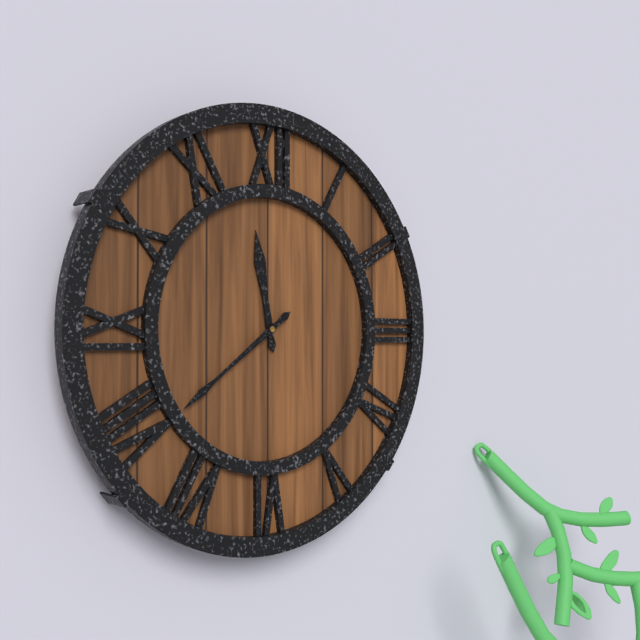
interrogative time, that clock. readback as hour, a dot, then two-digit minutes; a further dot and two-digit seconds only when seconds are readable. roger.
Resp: 11.39
